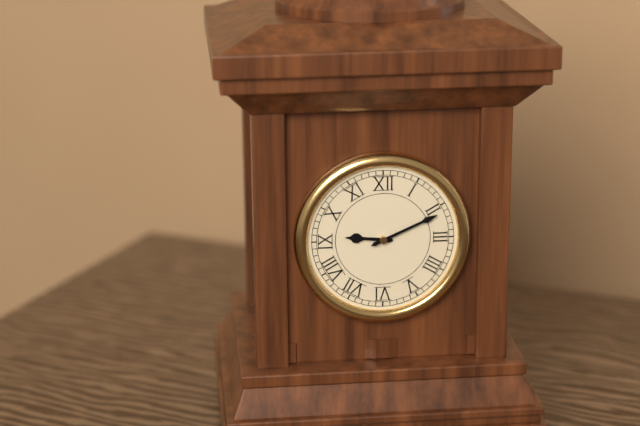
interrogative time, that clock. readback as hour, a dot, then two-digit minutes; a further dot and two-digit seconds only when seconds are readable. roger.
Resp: 9.11
